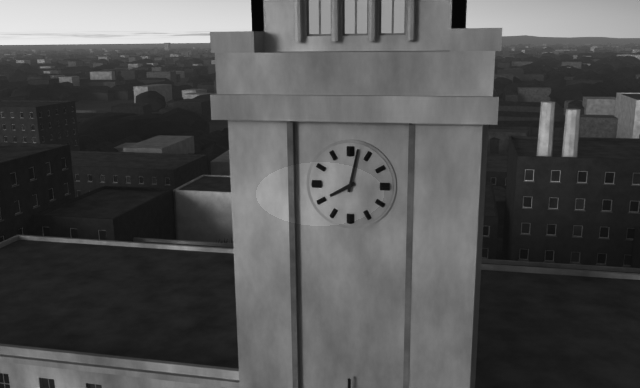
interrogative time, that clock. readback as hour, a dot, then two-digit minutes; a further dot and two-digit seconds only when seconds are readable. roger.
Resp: 8.02
